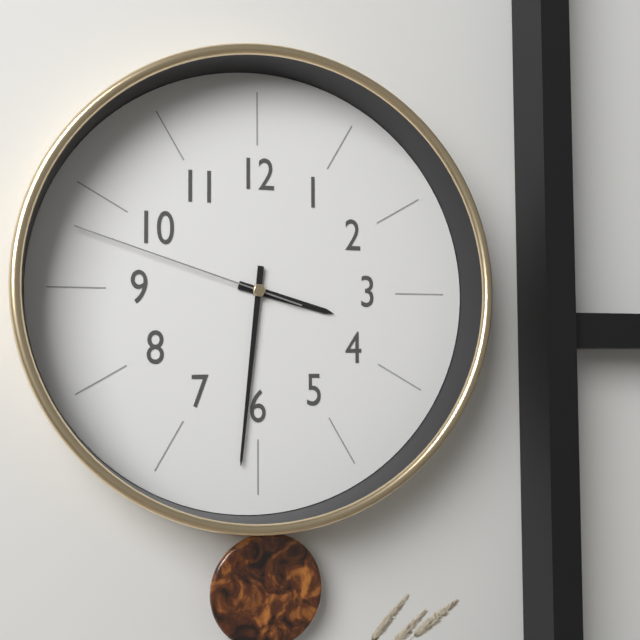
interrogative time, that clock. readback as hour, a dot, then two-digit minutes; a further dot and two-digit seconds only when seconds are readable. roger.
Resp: 3.31.48
